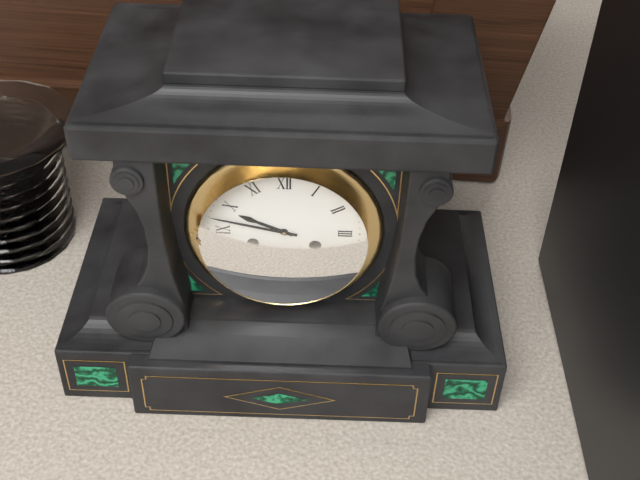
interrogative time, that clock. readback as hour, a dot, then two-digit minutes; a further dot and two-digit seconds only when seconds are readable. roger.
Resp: 9.47
